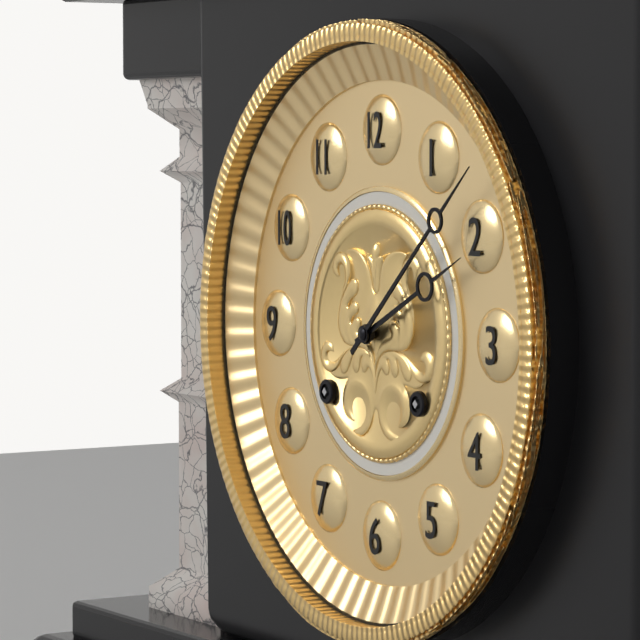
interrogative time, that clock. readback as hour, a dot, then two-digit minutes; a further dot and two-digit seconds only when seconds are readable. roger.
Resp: 2.08
